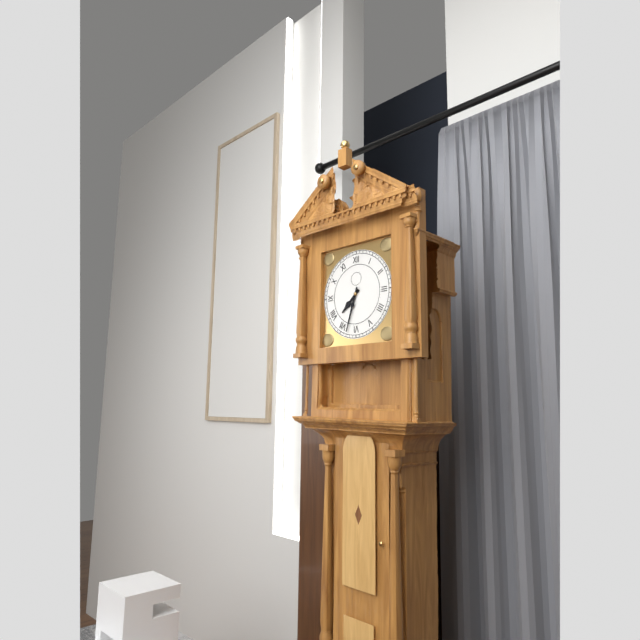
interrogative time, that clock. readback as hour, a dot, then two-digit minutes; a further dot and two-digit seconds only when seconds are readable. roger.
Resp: 7.33
